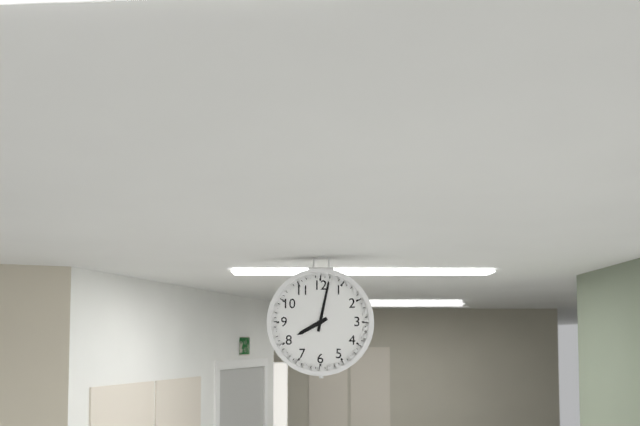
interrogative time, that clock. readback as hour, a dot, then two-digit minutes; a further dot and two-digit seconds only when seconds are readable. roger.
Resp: 8.02
